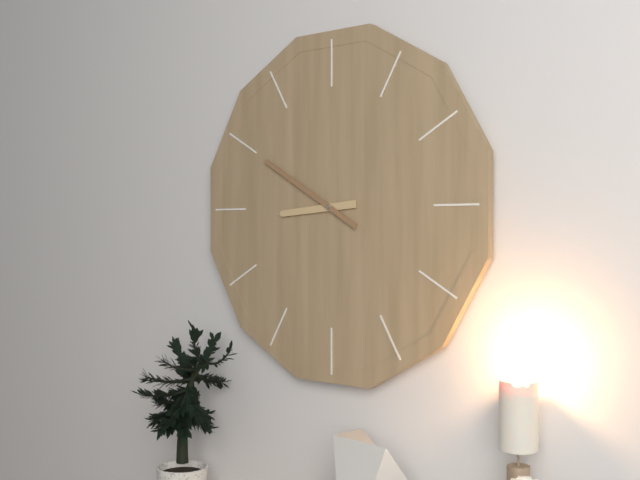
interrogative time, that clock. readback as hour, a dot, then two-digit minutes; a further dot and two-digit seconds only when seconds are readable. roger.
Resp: 8.50
